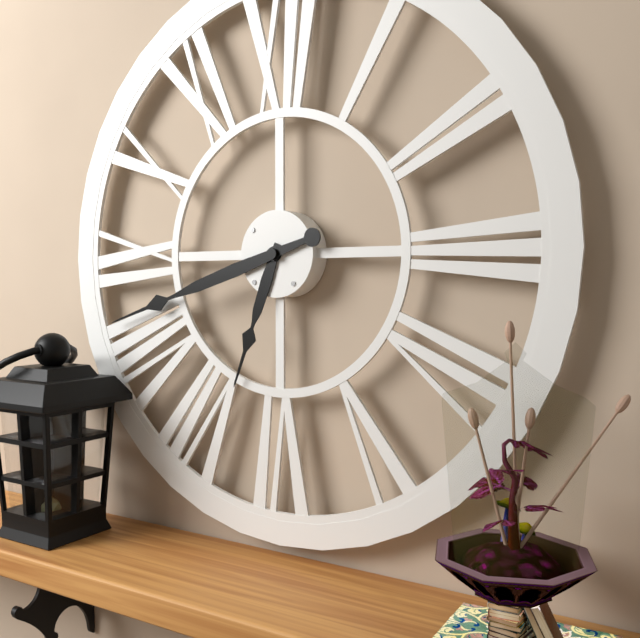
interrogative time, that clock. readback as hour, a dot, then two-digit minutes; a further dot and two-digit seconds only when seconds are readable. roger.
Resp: 6.42
